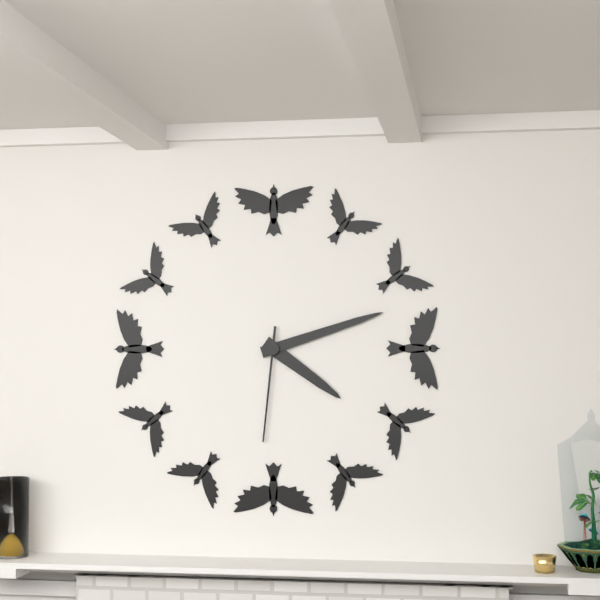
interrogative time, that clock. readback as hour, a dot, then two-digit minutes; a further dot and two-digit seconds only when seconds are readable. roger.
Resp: 4.12.31
